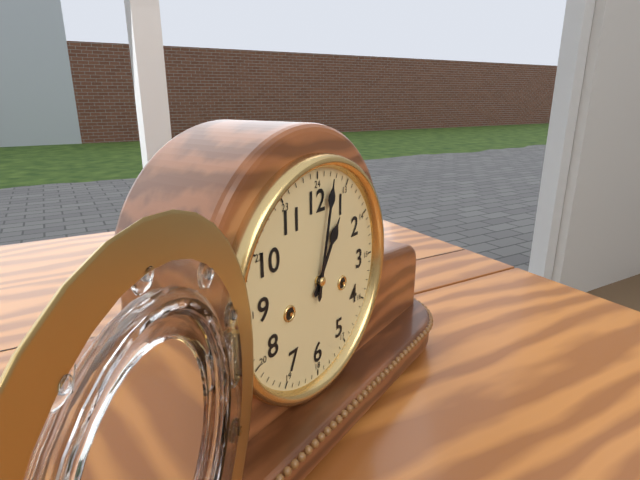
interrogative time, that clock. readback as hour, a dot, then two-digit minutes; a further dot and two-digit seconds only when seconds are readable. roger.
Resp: 1.02
